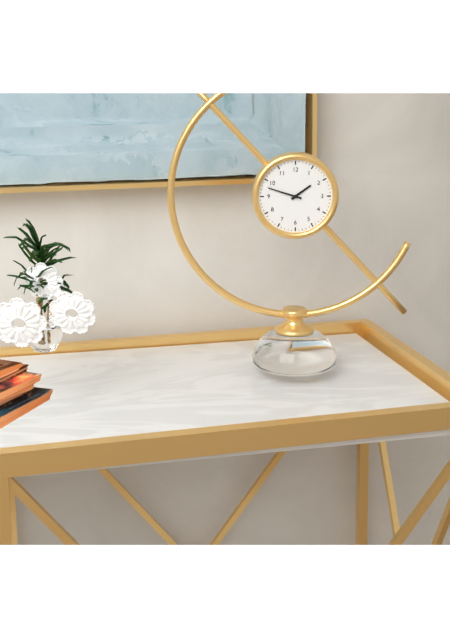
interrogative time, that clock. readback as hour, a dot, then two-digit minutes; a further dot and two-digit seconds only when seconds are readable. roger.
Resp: 1.48
